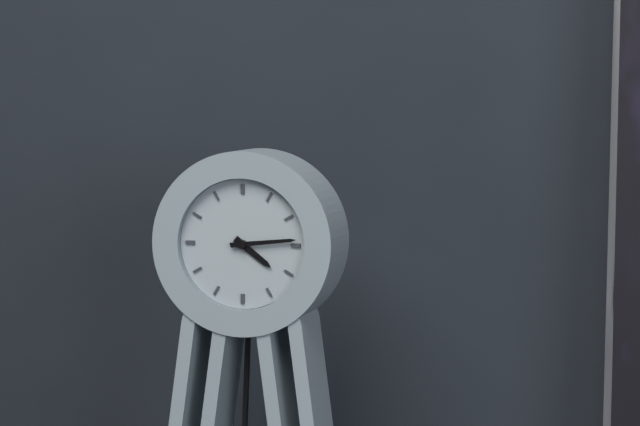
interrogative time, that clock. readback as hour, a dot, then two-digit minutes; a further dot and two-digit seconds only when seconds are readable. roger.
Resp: 4.14
